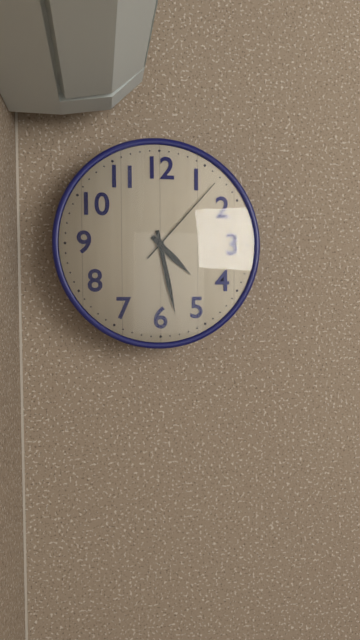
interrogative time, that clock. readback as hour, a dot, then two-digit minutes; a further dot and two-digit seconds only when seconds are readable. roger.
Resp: 4.28.07
